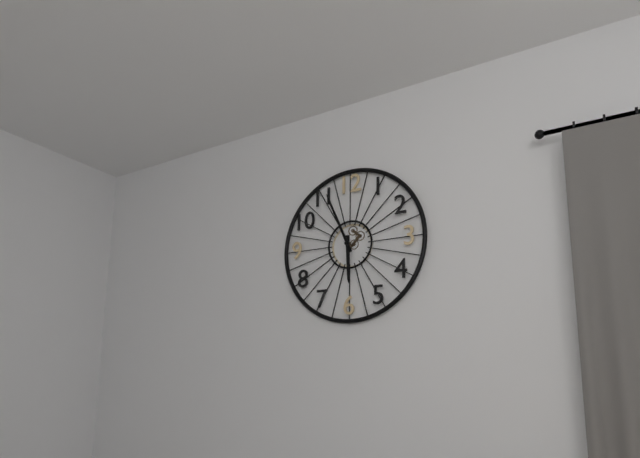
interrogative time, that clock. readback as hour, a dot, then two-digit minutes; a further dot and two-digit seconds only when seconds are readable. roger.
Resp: 5.56
